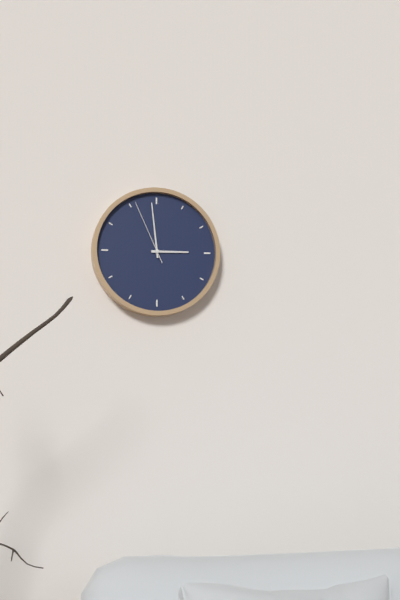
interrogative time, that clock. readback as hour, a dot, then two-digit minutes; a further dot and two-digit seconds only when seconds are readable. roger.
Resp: 2.59.56
